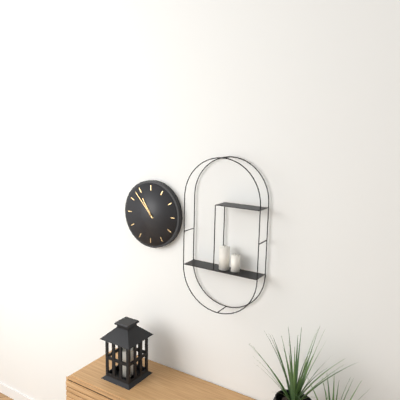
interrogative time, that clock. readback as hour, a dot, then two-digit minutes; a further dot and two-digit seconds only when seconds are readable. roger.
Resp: 10.53
